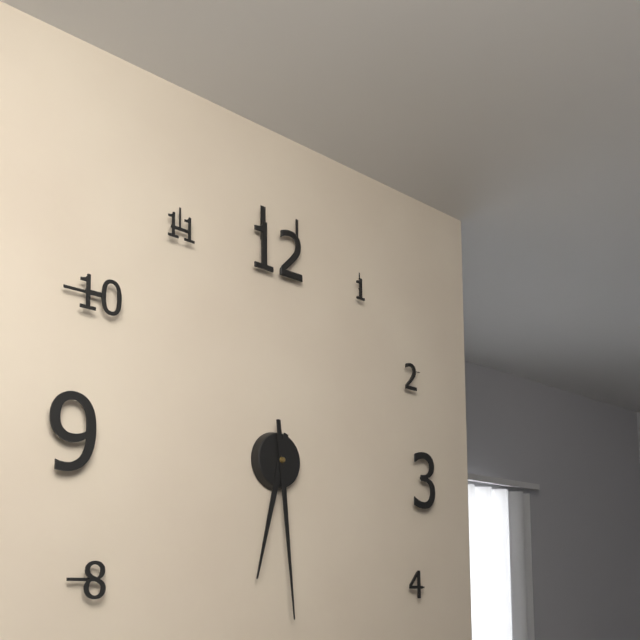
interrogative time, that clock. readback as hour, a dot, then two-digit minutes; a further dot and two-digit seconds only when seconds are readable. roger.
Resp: 6.29
